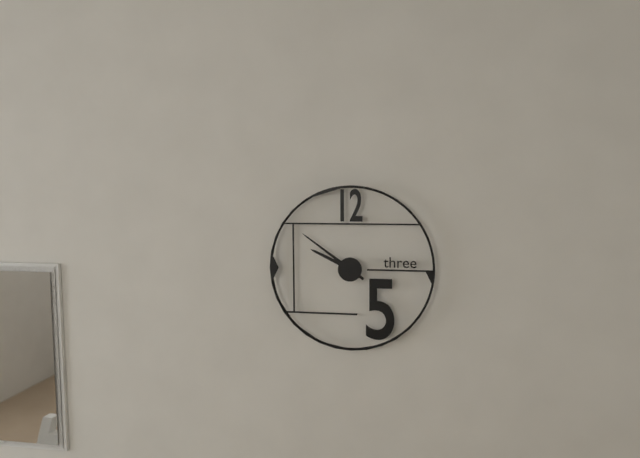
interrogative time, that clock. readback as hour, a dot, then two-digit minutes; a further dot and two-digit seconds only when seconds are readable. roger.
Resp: 9.51
